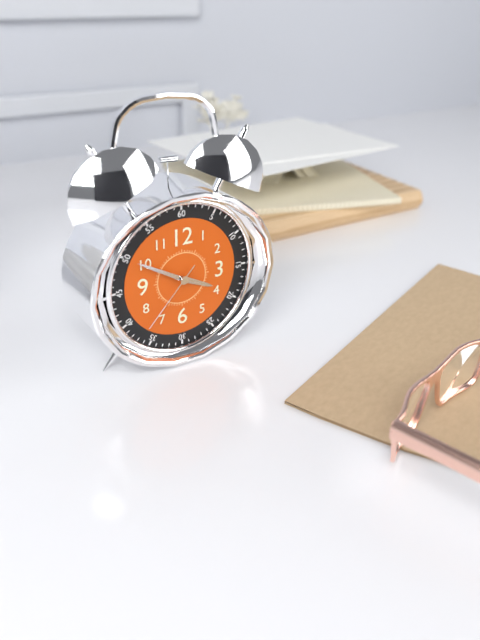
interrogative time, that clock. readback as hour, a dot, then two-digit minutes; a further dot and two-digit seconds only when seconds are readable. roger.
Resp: 3.50.37
